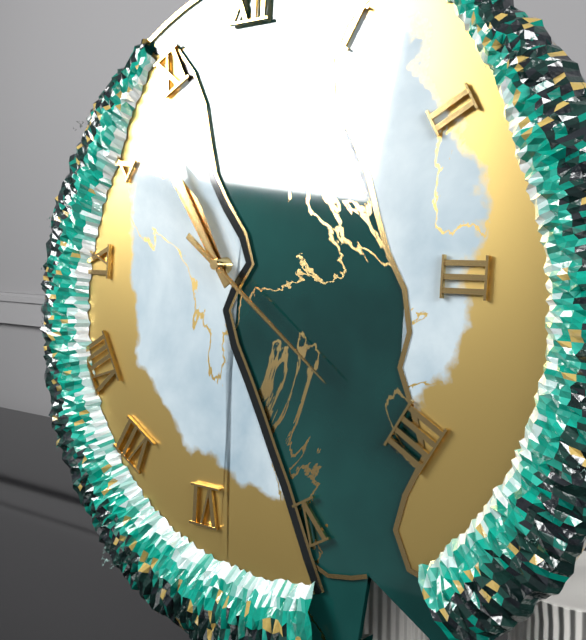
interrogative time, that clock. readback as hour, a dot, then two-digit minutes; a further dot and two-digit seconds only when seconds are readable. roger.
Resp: 10.54.21
